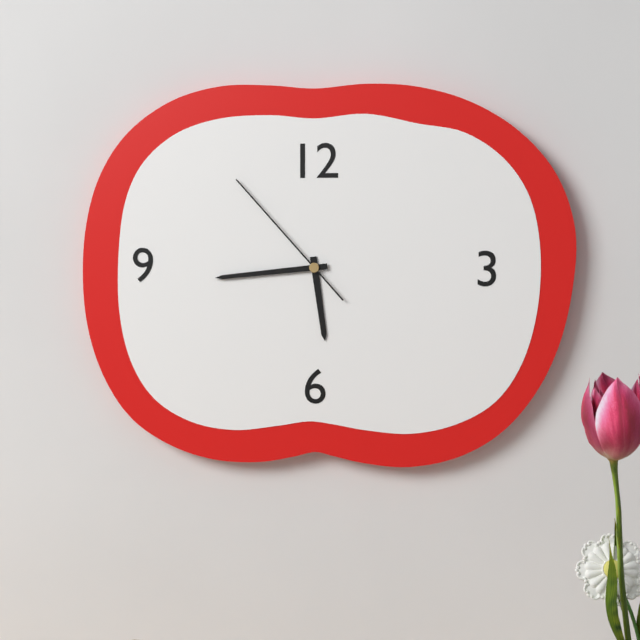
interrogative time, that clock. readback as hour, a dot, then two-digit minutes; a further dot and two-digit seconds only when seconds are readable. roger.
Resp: 5.44.53
